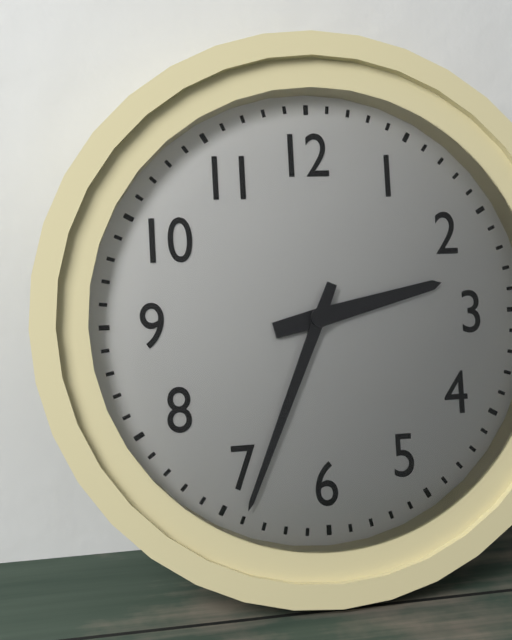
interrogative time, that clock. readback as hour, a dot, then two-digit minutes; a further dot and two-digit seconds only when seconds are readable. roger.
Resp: 2.34
